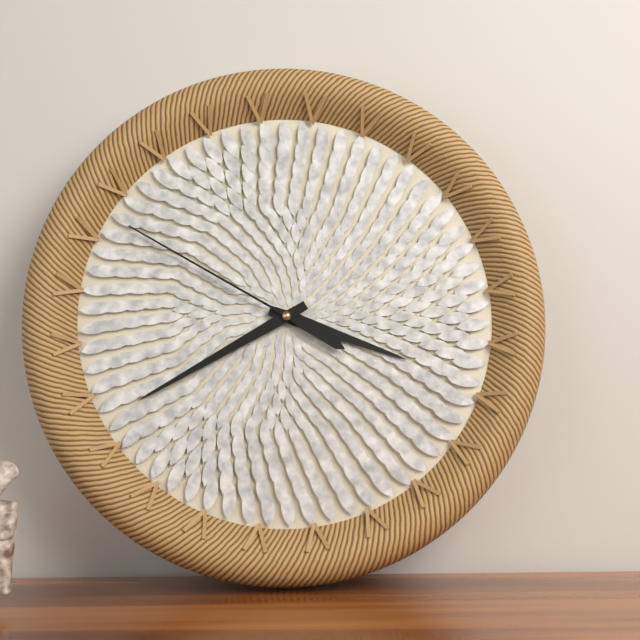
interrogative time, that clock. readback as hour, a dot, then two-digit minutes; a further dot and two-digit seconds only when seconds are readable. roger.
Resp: 3.40.50
